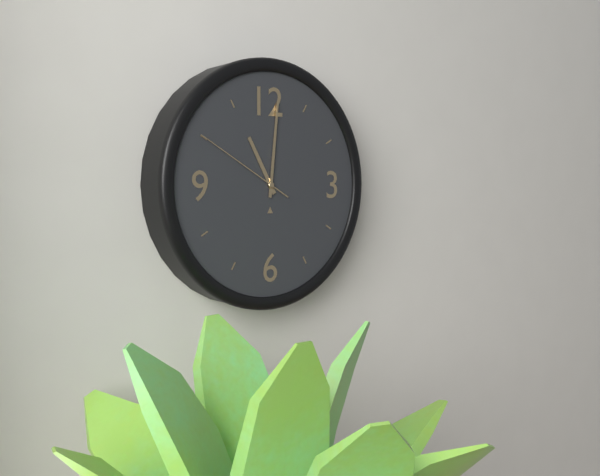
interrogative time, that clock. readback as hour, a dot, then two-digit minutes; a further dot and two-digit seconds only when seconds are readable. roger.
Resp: 11.01.50
